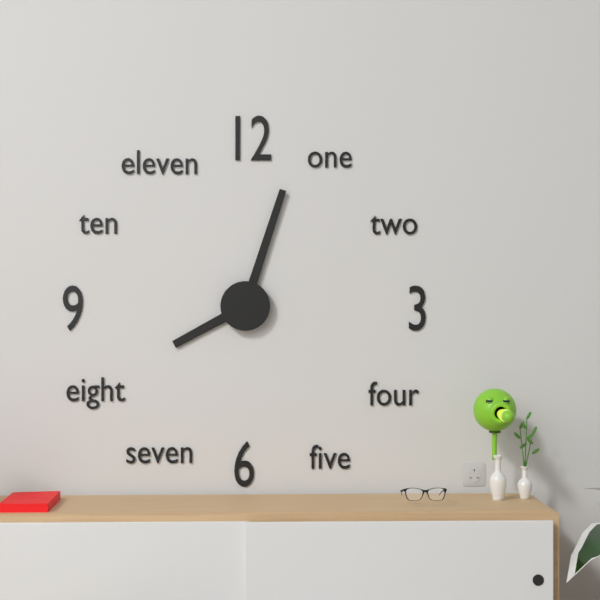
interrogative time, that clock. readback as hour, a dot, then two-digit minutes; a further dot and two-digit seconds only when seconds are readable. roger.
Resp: 8.03
